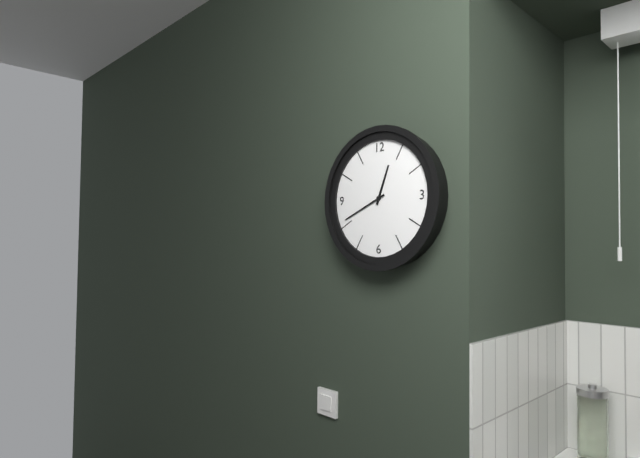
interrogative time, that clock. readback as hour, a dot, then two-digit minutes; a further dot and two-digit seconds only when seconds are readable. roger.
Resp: 12.41
